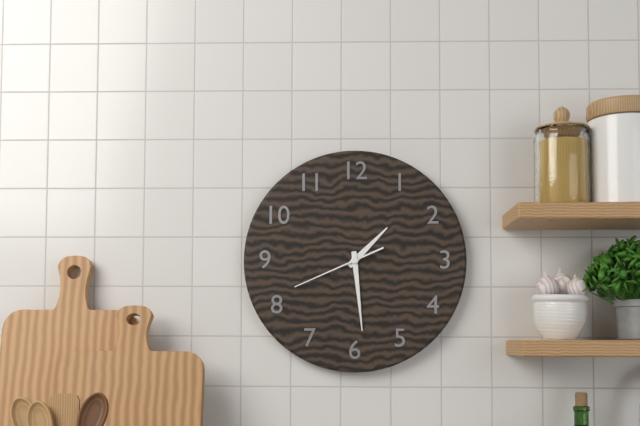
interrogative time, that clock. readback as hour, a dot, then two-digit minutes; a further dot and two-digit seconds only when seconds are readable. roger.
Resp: 1.29.41
